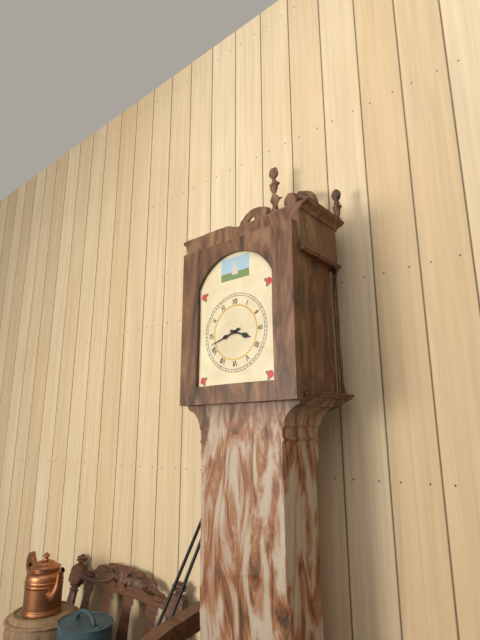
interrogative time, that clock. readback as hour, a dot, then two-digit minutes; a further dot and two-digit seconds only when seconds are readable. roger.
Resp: 3.42
